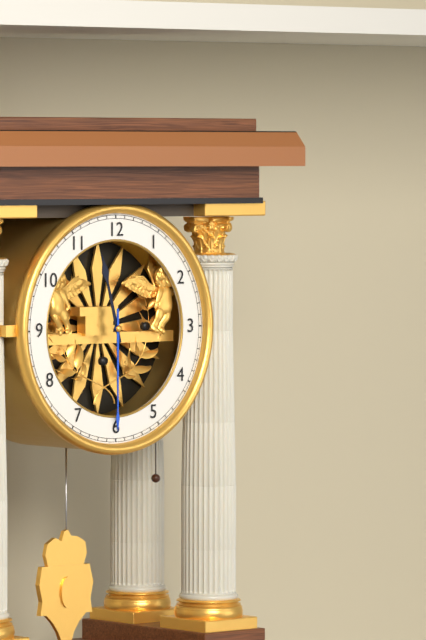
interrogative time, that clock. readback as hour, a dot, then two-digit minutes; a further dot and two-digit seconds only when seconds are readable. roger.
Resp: 11.30
